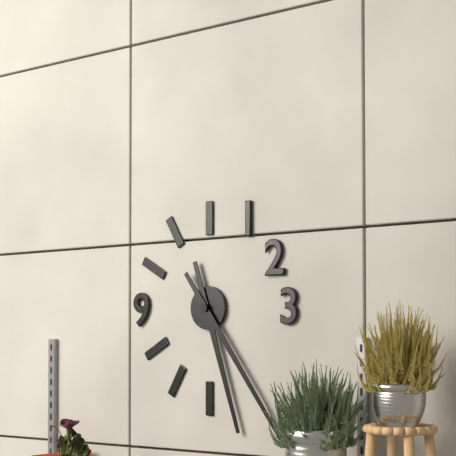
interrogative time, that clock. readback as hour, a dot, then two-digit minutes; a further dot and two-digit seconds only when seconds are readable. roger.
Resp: 5.24
